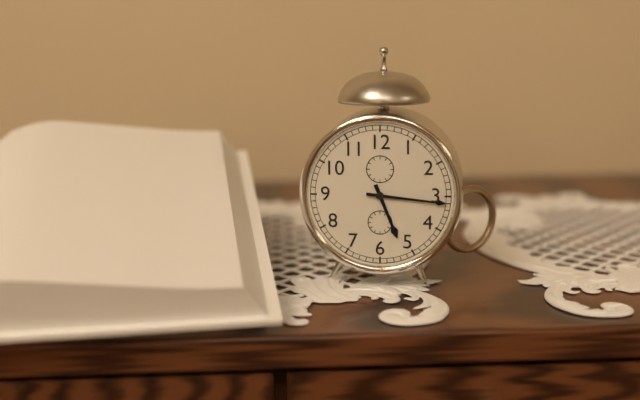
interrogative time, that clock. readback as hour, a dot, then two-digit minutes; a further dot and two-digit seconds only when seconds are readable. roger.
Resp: 5.16
